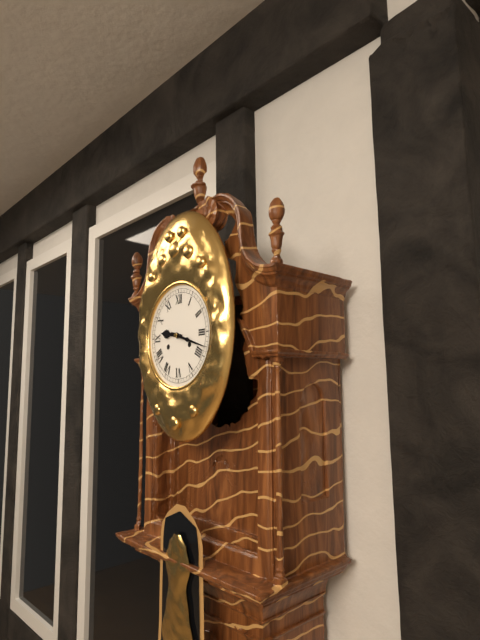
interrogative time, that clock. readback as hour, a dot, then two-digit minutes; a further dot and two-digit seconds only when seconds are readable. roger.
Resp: 9.18
